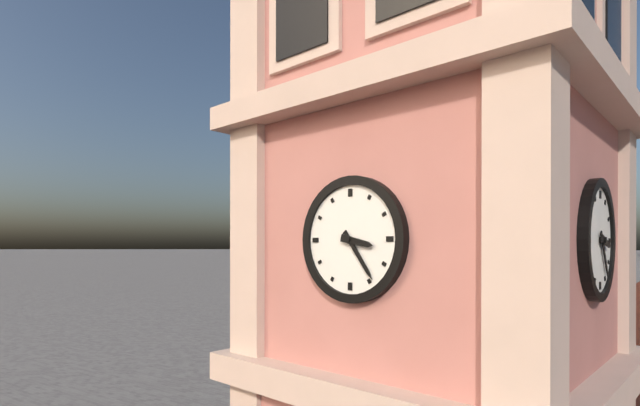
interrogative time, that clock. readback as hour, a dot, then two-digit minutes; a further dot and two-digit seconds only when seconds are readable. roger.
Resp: 3.24
